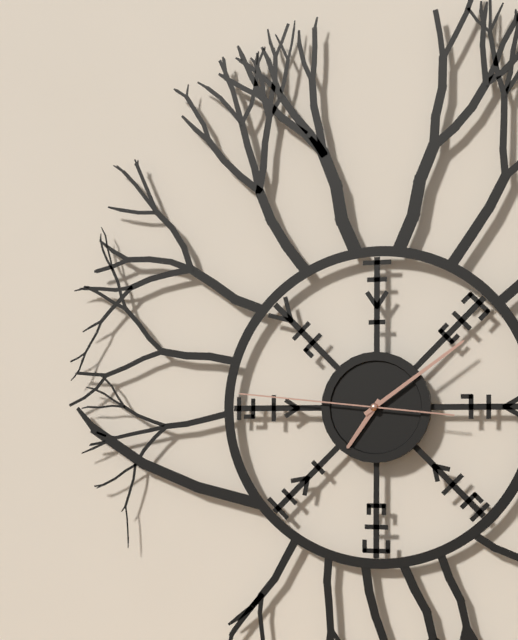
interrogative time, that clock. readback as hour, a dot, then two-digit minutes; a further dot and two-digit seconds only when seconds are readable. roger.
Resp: 7.09.46
